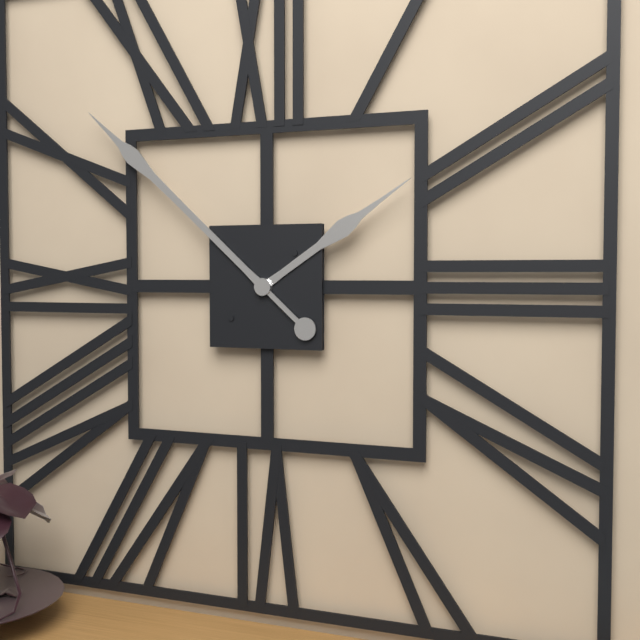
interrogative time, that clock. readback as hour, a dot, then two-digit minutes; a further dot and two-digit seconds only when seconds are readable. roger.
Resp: 1.52
